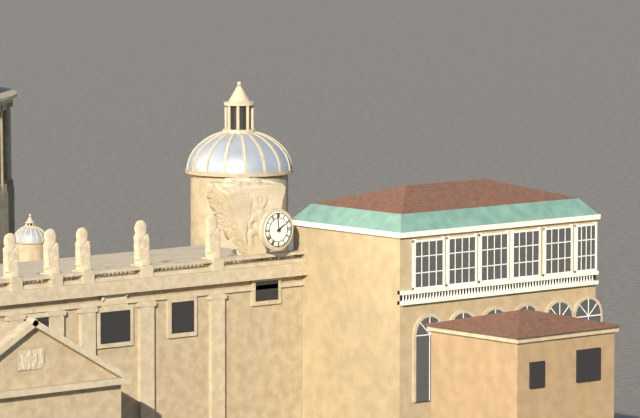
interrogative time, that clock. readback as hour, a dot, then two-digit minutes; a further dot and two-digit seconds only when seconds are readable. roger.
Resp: 1.59
